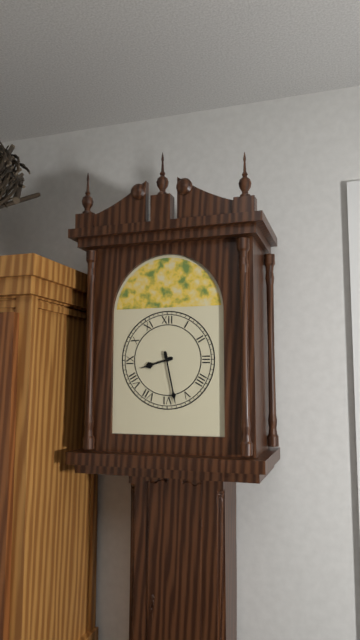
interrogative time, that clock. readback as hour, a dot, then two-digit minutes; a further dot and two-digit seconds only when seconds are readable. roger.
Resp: 8.28
